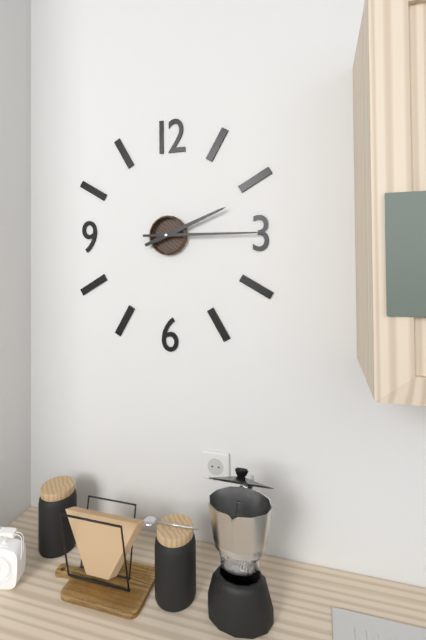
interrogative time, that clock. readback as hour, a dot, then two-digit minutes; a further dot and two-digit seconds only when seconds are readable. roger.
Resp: 2.15
